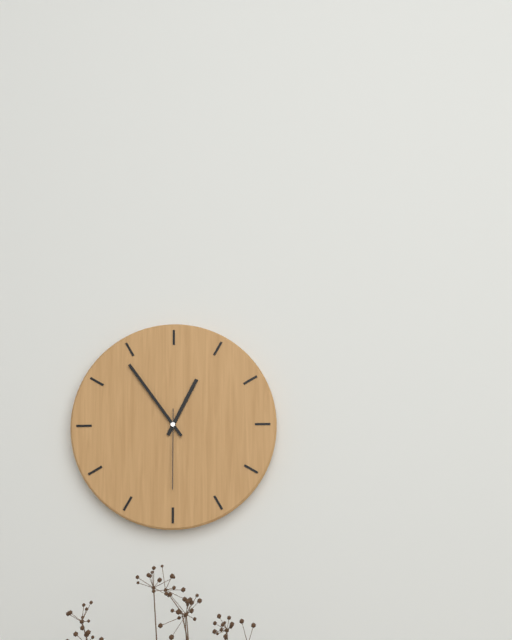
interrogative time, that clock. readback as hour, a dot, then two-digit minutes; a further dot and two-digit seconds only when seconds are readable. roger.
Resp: 12.54.30
